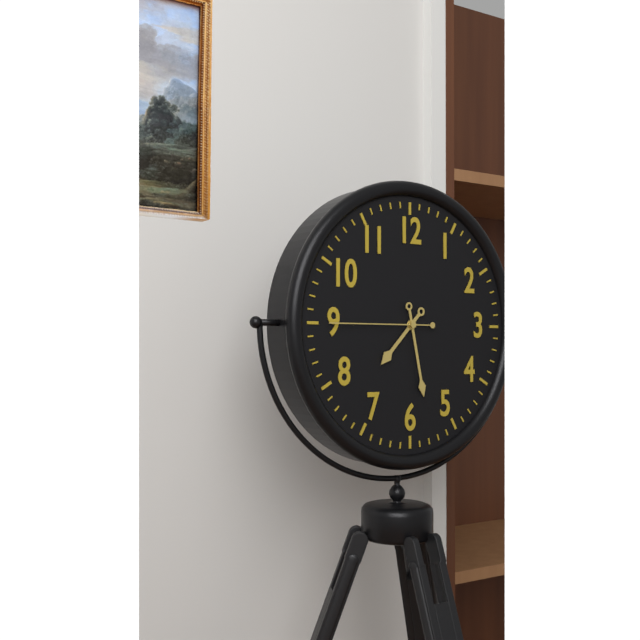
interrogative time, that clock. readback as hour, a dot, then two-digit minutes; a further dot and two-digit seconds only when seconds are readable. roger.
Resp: 7.28.45
